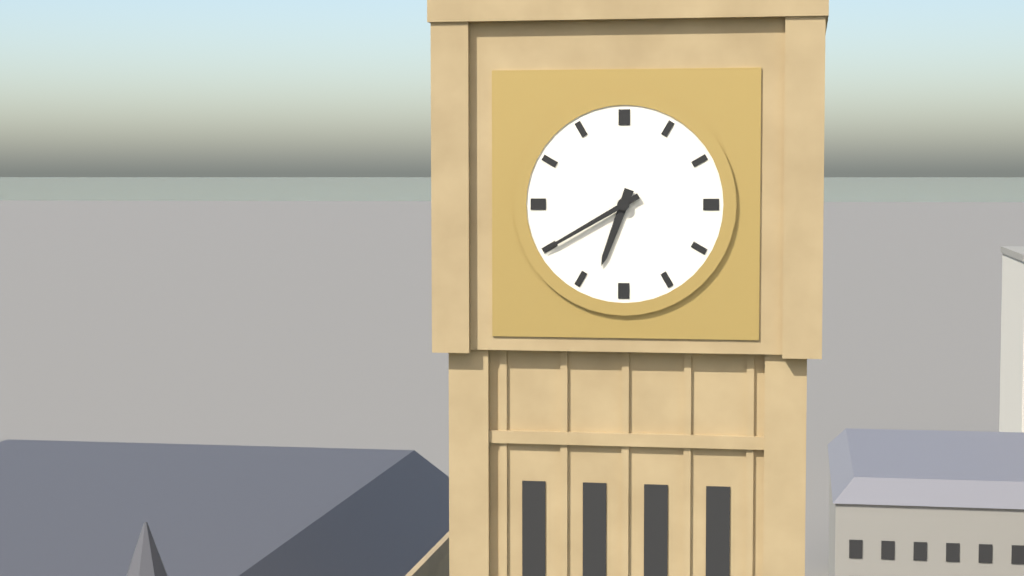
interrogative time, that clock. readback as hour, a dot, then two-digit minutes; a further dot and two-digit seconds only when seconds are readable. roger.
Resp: 6.40
